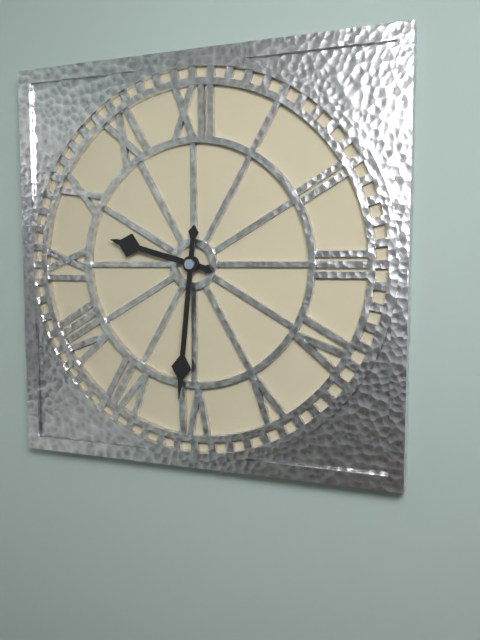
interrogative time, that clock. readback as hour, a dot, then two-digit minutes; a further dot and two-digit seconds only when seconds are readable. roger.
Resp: 9.31
